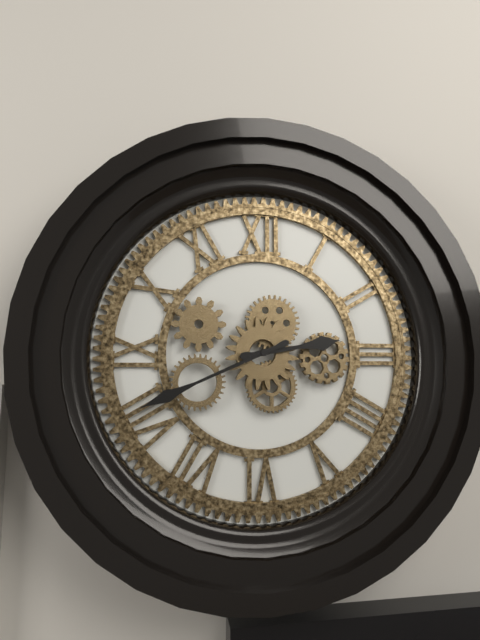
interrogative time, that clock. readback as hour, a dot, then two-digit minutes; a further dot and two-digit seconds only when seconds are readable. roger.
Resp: 2.41
